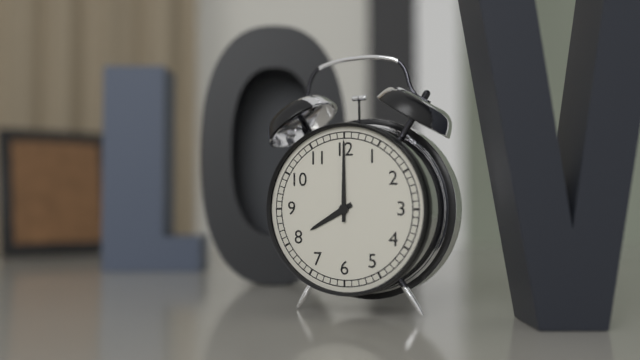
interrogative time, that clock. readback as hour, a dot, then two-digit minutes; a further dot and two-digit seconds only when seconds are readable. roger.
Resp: 8.00
